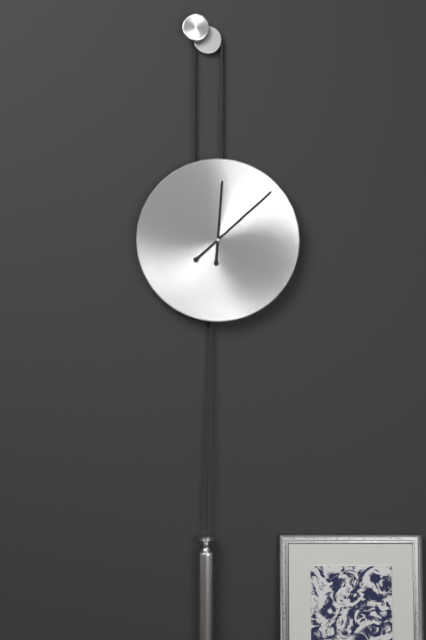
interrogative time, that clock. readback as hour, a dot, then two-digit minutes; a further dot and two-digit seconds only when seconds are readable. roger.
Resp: 12.08
